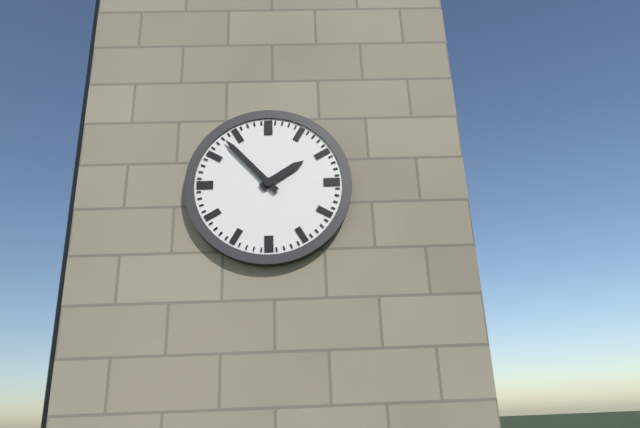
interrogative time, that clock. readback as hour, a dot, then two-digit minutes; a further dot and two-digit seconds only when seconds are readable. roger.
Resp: 1.53
